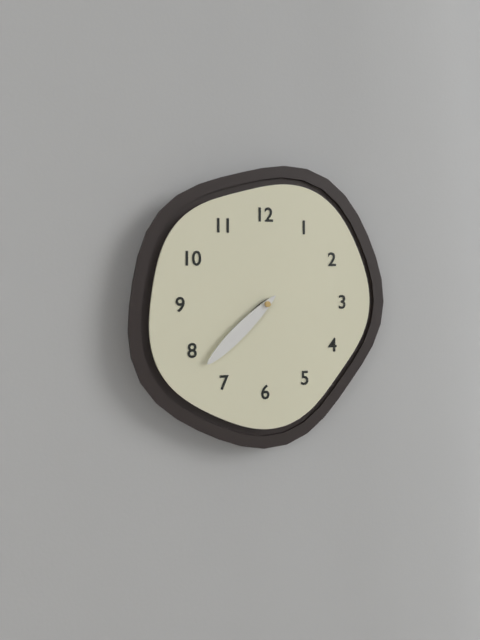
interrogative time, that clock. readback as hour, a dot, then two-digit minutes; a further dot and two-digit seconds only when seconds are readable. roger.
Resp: 7.38
